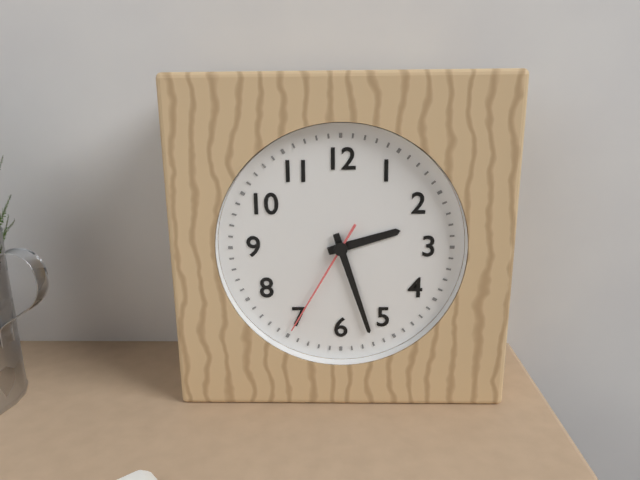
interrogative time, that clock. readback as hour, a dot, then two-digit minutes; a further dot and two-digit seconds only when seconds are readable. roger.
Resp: 2.27.35
